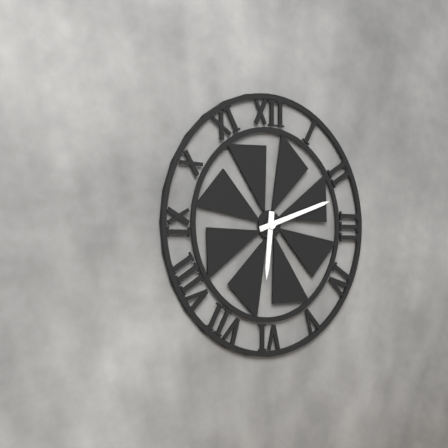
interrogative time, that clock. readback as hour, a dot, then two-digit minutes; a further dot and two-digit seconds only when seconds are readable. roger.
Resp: 6.12
